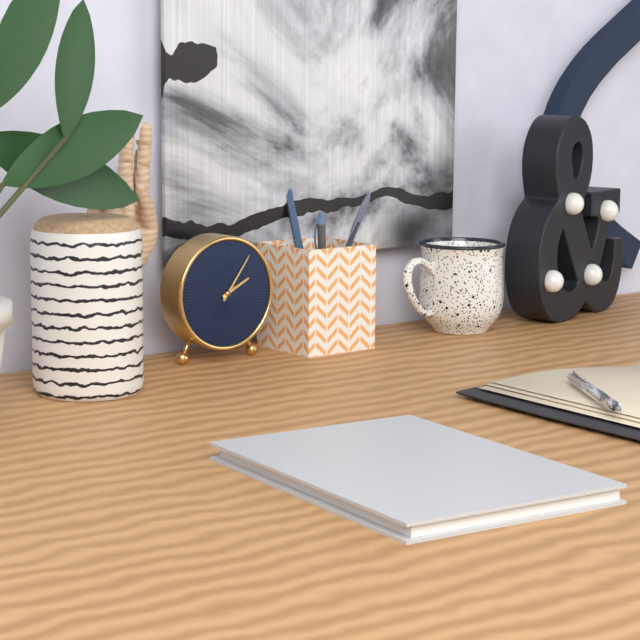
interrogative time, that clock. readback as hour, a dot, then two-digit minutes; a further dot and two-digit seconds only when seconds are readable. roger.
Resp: 2.06
